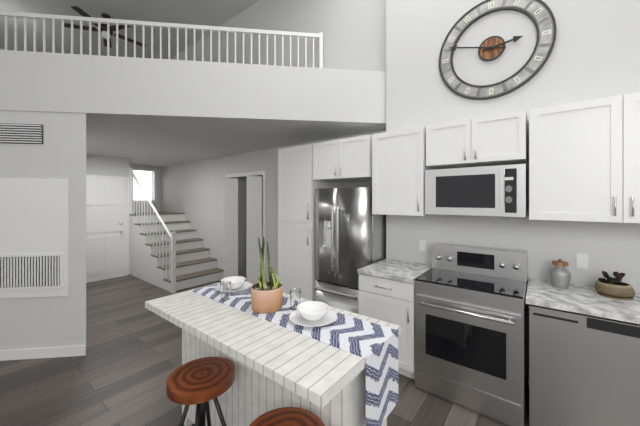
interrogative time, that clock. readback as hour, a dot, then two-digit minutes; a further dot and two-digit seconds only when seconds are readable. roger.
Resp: 2.48
